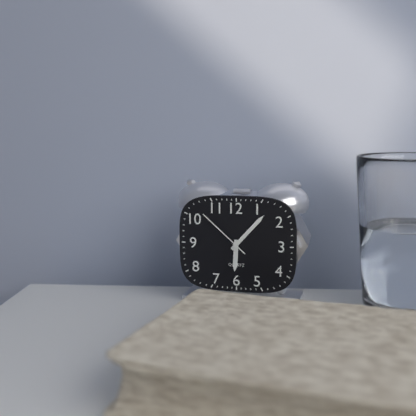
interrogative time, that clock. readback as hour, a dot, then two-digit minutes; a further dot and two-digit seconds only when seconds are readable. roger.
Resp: 6.07.52
